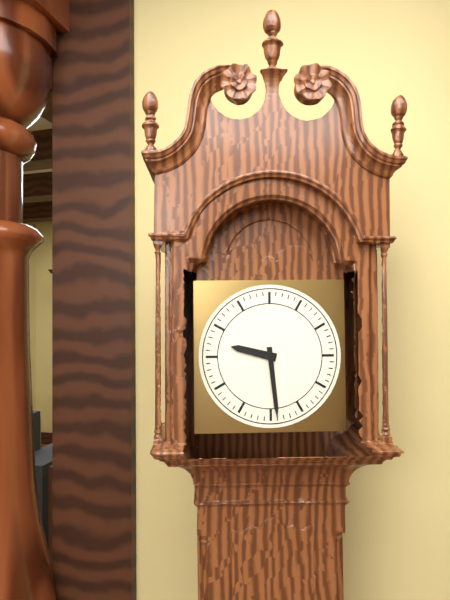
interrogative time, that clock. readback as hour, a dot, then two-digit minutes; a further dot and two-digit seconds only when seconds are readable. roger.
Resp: 9.29
